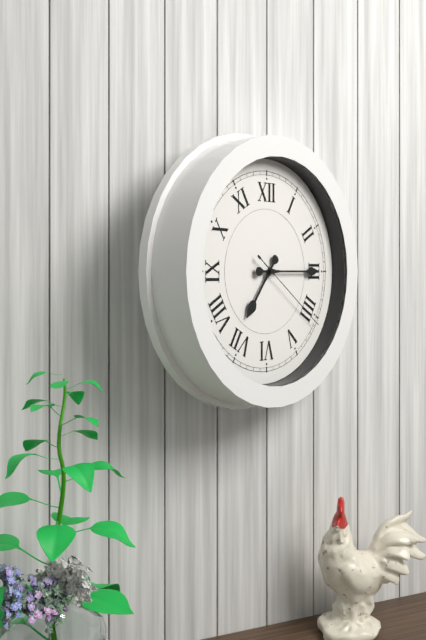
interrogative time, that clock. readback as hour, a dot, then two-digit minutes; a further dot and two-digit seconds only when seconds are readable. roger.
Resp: 7.15.21
